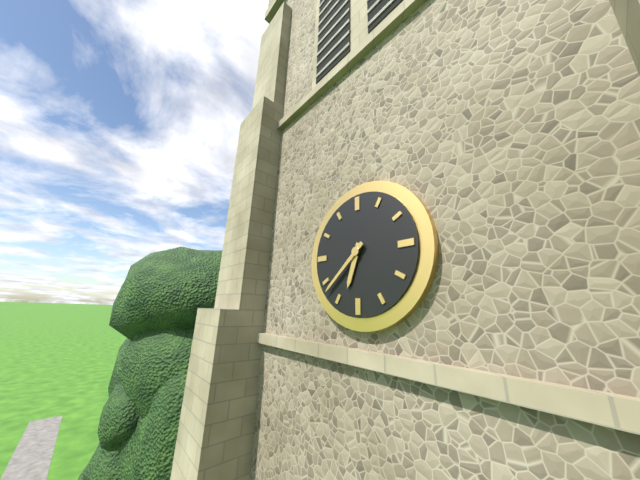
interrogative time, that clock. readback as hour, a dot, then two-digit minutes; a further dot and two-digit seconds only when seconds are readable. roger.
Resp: 6.38
